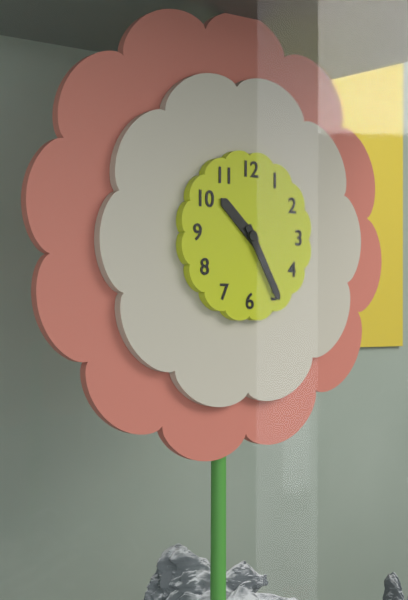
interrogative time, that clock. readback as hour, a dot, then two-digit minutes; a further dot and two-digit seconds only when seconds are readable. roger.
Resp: 10.25
